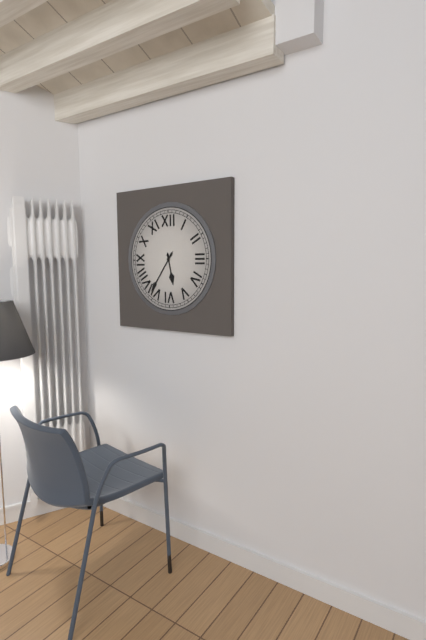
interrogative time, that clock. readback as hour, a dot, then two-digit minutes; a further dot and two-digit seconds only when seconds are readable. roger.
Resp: 5.36
